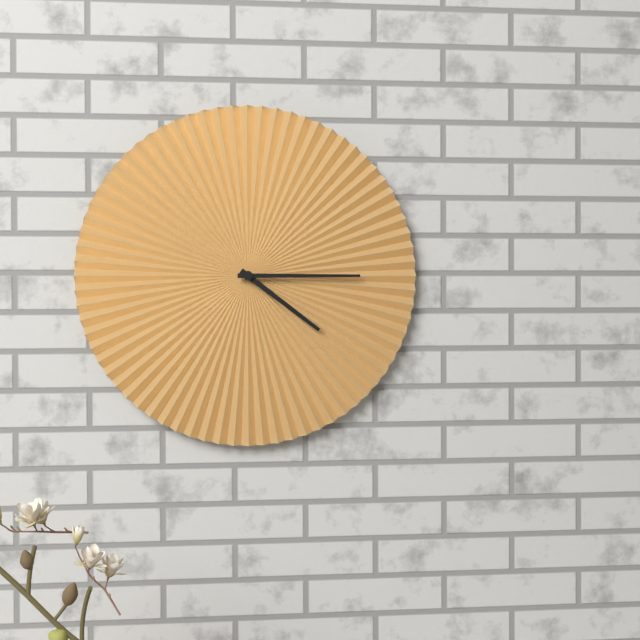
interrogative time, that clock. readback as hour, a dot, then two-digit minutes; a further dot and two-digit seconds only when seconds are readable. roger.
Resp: 4.15
